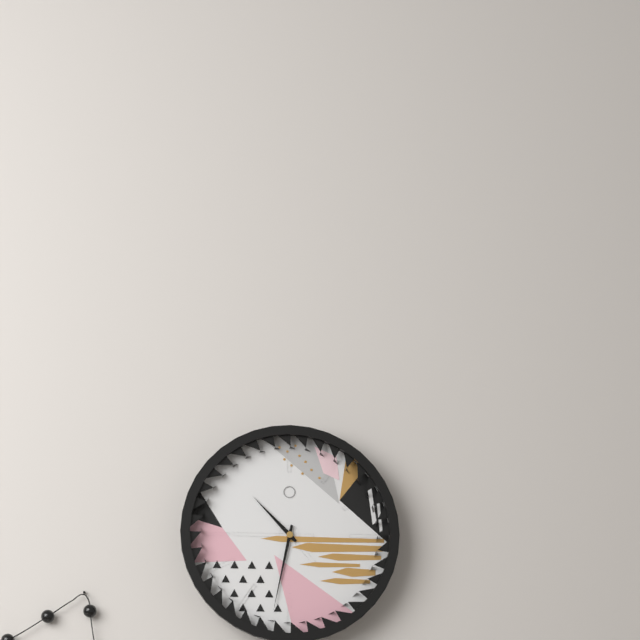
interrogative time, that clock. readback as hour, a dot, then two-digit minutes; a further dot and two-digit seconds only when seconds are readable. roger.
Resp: 10.32
